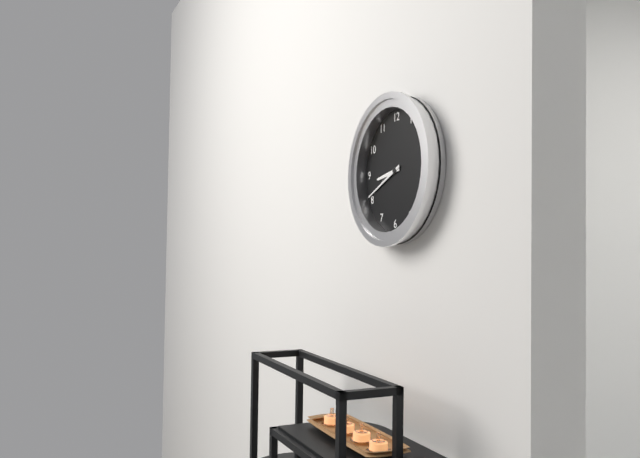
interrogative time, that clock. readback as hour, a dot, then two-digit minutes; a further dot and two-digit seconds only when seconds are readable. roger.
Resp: 8.41
